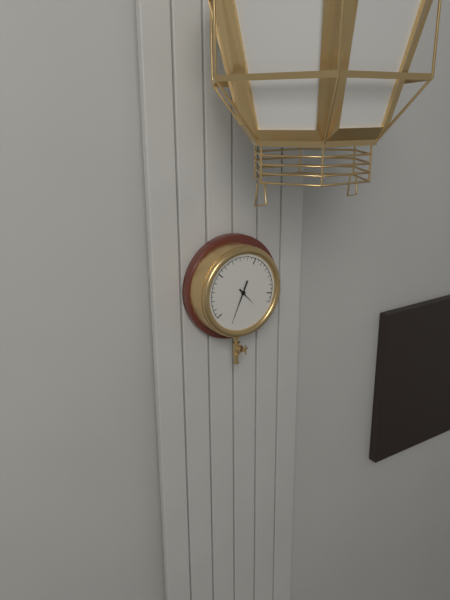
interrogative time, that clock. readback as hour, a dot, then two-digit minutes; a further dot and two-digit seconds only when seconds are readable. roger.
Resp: 4.34
